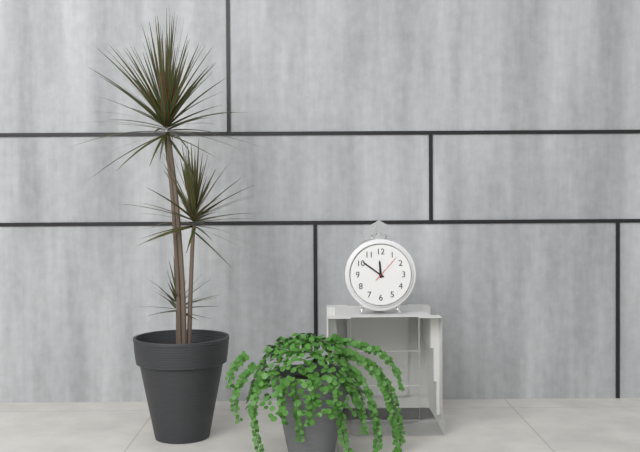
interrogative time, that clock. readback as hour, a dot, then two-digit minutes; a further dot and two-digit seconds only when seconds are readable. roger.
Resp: 11.51
